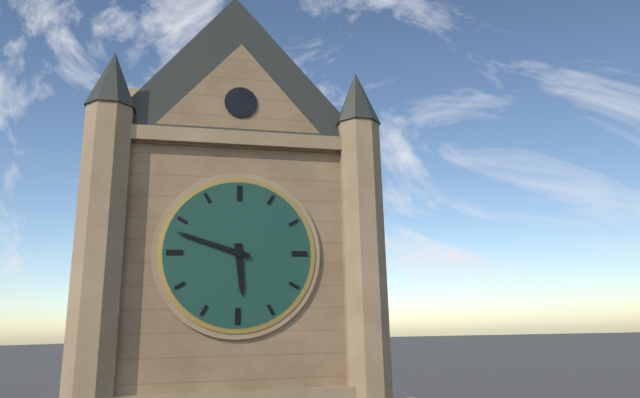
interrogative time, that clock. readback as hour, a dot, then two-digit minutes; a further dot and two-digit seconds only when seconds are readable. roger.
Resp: 5.48
